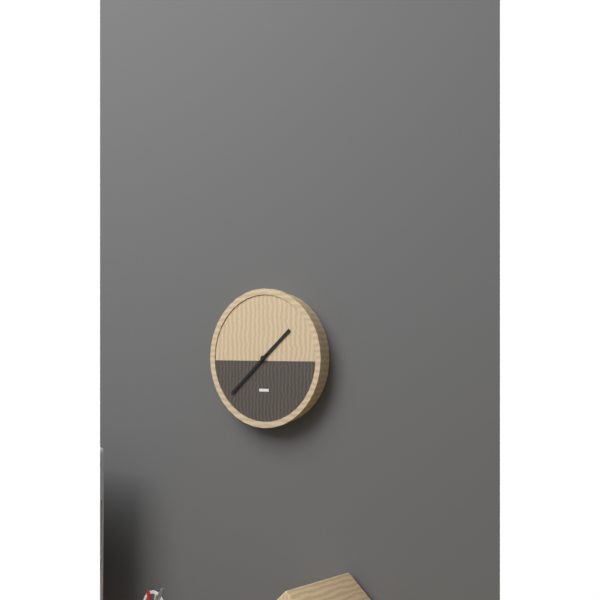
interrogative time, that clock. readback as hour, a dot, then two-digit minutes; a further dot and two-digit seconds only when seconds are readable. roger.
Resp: 1.38
